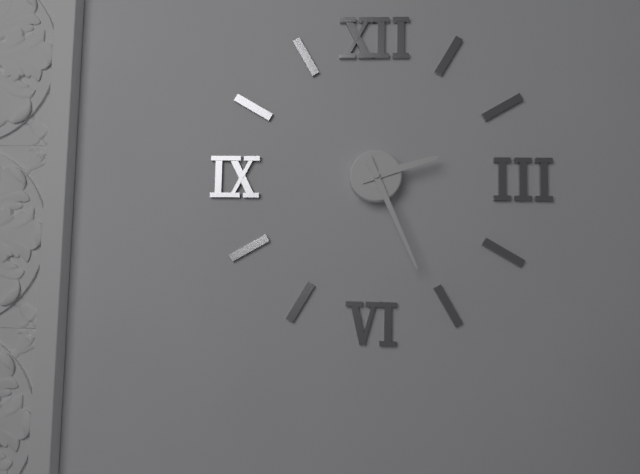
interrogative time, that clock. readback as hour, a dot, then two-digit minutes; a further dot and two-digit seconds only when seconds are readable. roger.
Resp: 2.26
